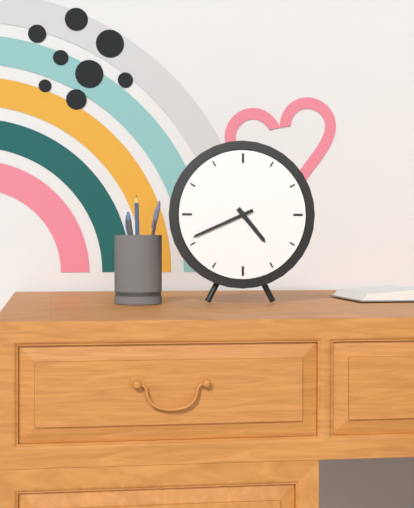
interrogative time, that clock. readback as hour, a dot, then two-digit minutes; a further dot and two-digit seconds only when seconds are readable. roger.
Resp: 4.41
